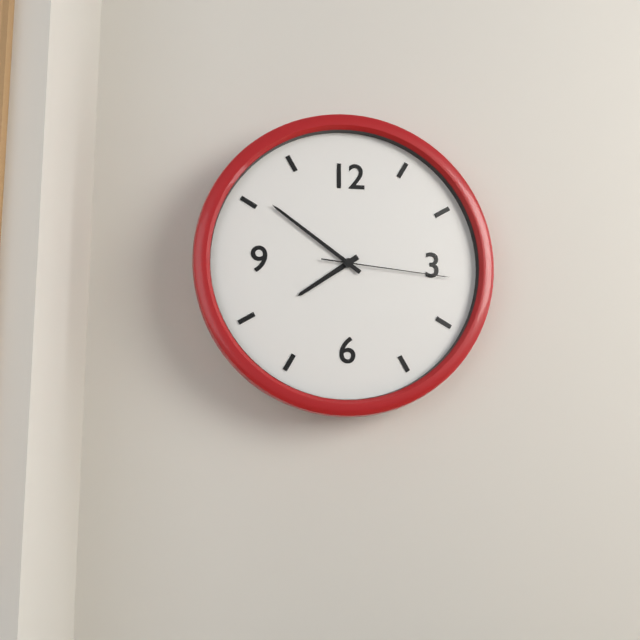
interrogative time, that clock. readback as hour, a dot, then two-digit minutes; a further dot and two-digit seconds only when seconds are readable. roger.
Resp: 7.51.16
